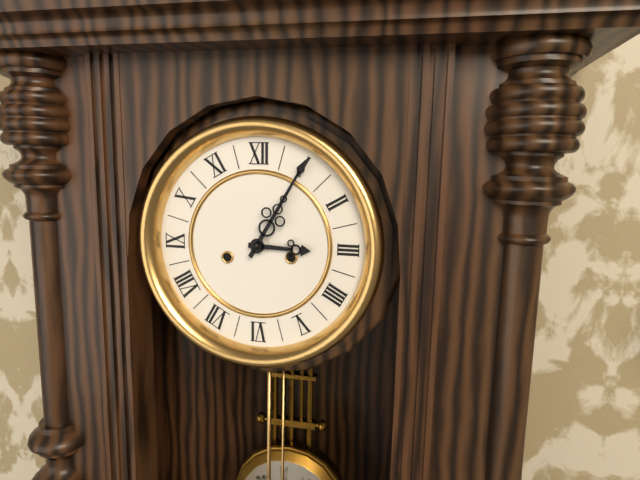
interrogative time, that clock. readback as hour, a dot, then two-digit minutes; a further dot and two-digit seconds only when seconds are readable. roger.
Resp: 3.05
